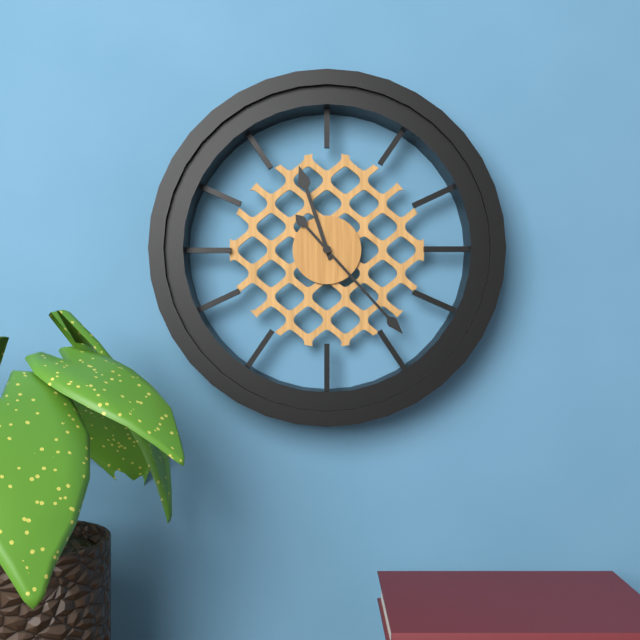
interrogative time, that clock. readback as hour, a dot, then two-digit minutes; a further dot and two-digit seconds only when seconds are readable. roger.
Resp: 11.23
